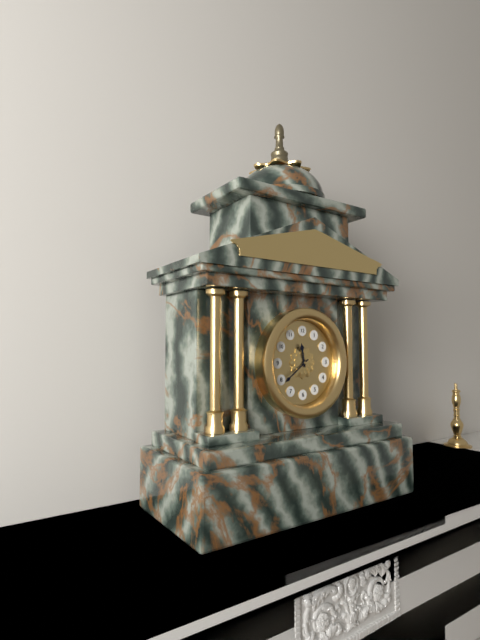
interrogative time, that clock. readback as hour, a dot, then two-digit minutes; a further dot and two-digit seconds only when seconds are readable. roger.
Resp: 11.39
